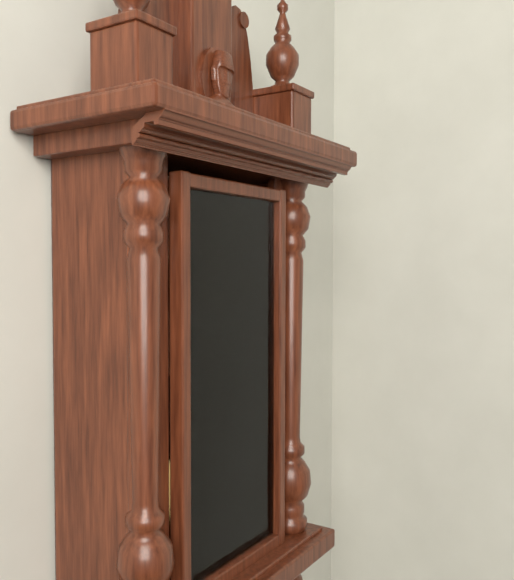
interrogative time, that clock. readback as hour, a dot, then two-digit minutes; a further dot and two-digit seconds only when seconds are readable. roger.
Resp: 2.11
